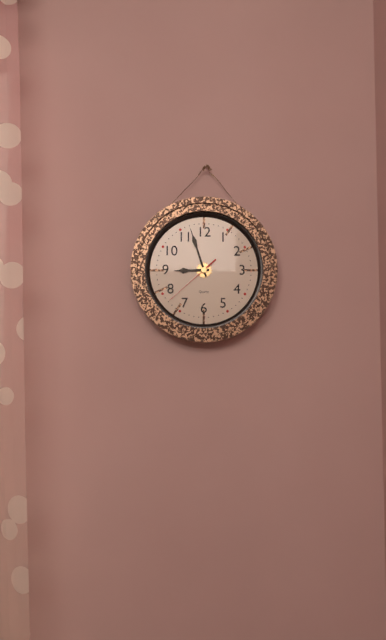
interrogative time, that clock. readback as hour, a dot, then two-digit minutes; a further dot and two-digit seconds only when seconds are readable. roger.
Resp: 8.57.38
